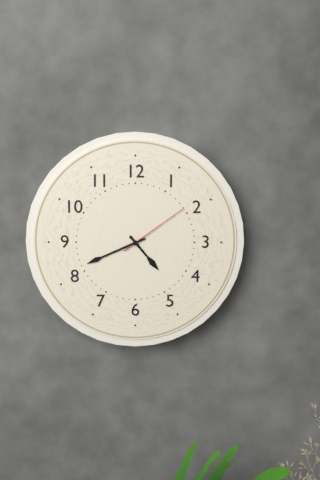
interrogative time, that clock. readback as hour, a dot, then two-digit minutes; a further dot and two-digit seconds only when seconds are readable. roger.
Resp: 4.41.09
